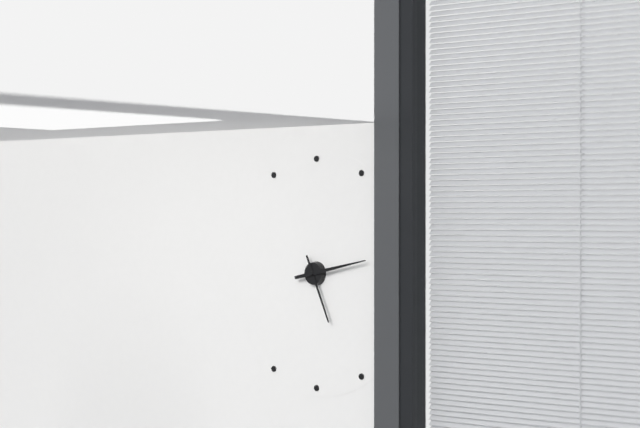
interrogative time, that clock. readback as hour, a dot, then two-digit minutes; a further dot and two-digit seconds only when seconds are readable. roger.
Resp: 5.13
